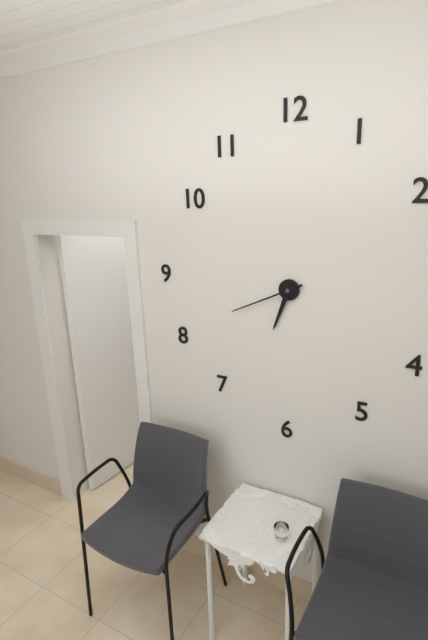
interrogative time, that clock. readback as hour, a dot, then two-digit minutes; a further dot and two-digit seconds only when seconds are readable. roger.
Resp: 6.41
